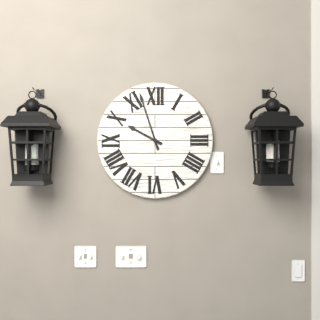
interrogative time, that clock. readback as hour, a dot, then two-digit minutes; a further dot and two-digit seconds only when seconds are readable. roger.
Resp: 9.57
